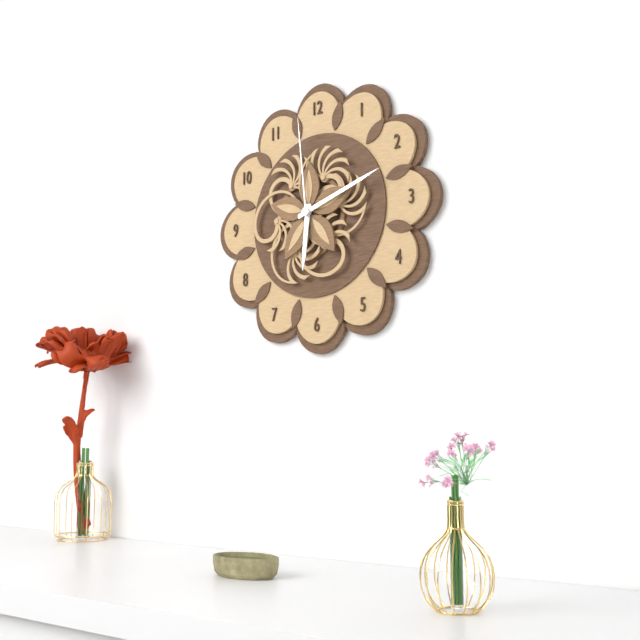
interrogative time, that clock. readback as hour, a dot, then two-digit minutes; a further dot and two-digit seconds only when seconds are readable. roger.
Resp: 6.12.59
